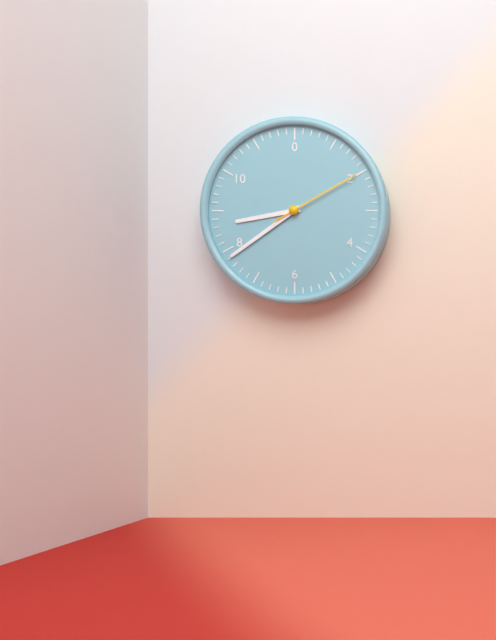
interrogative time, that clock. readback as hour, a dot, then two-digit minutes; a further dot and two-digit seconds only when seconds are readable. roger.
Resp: 8.39.10
